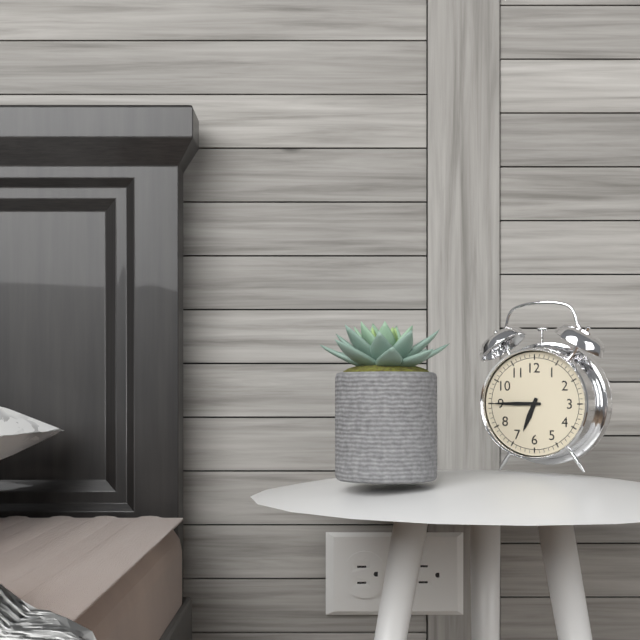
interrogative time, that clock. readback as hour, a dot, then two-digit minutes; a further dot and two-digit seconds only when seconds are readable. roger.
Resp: 6.45
